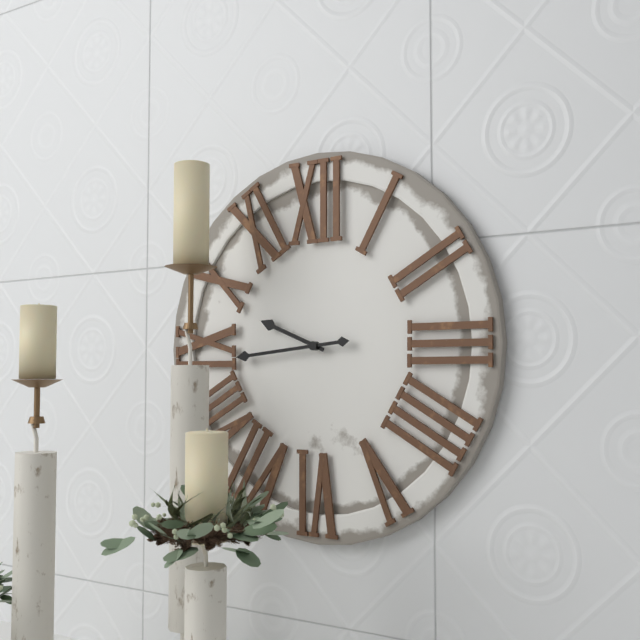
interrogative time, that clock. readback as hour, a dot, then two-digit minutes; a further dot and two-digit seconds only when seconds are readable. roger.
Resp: 9.44
